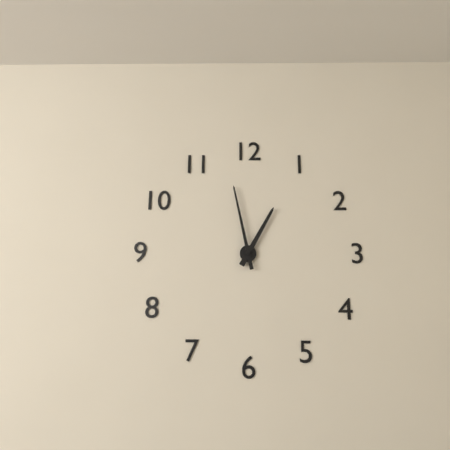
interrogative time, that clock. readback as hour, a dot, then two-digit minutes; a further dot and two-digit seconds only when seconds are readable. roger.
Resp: 12.58
